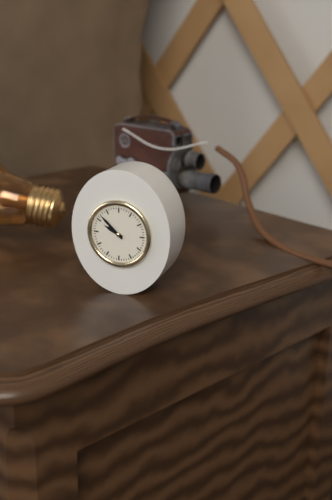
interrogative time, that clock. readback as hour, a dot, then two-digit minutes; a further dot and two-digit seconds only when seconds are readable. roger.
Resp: 9.52
